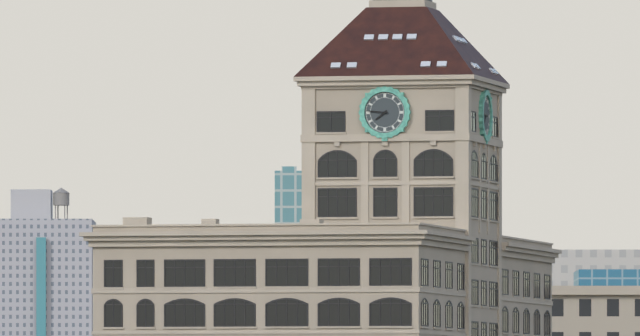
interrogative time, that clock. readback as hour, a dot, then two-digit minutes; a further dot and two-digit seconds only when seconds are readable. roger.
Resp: 7.46
